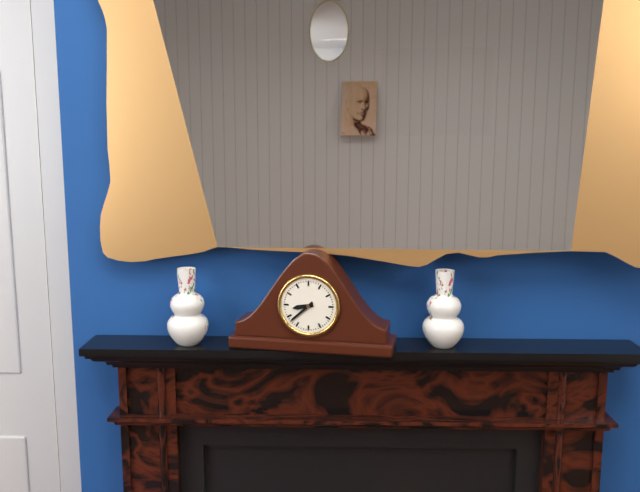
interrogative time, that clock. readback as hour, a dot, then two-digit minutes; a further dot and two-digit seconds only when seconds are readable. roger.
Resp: 8.38
